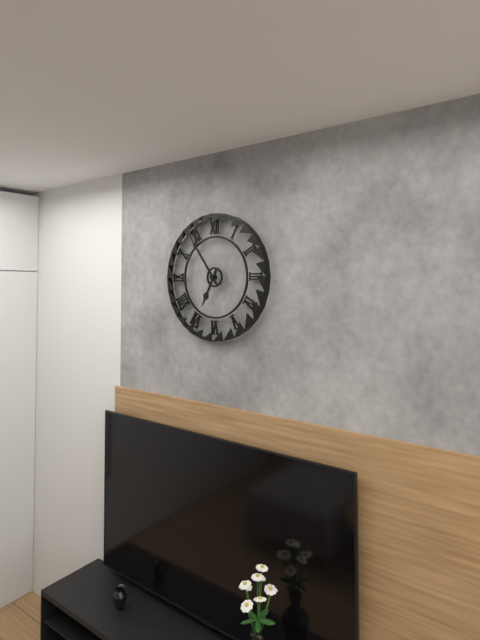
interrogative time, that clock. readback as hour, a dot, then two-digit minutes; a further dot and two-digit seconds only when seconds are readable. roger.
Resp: 6.54
